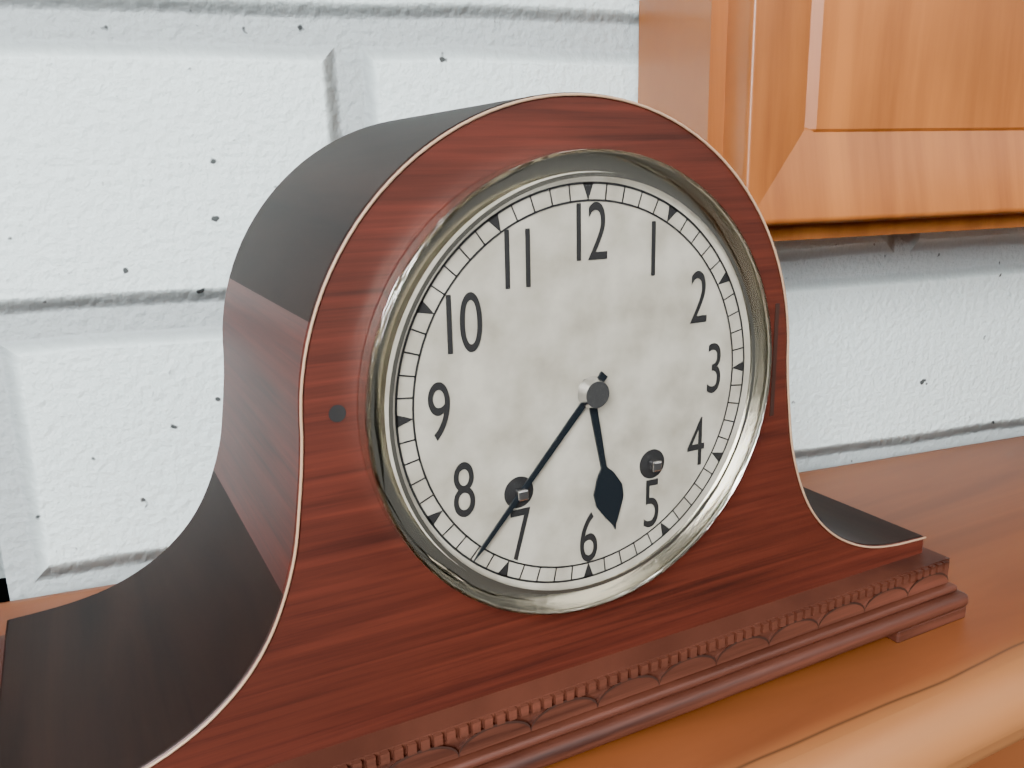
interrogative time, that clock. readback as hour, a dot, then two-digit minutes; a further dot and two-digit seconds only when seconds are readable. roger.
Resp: 5.37
